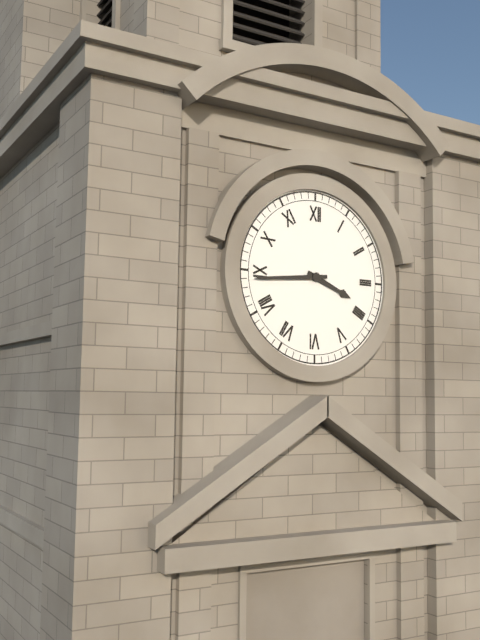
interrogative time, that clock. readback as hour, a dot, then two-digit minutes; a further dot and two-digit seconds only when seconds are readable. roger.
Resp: 3.44
